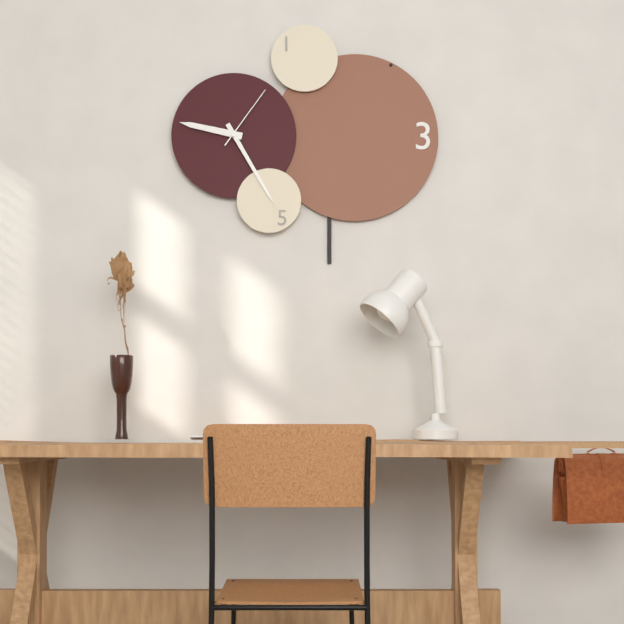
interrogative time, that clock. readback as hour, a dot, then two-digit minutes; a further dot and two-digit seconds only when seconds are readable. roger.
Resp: 9.25.06
